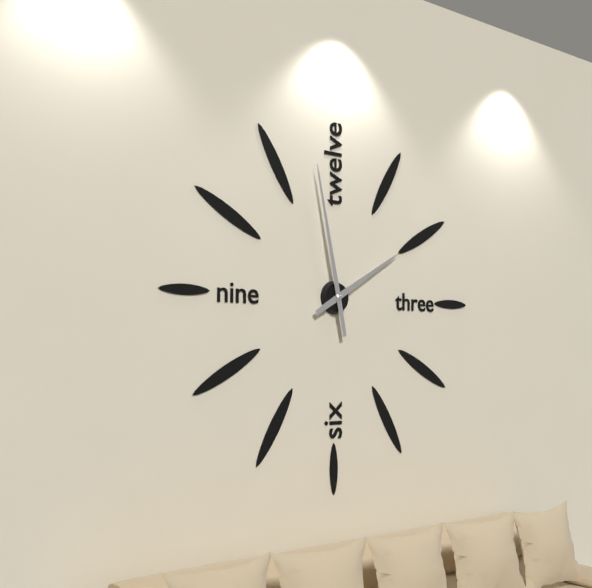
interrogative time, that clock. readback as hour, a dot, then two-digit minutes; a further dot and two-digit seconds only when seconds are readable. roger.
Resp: 1.58
